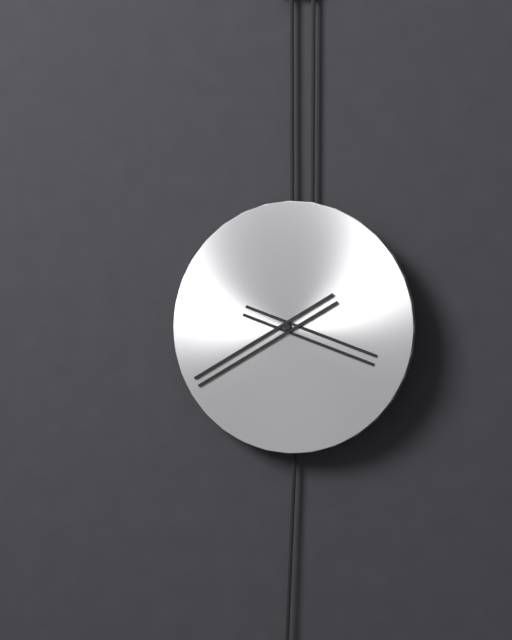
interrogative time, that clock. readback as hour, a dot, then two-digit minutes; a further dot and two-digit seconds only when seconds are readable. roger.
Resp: 3.40
